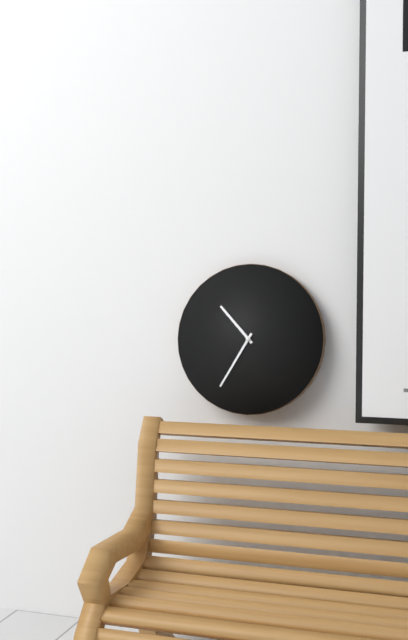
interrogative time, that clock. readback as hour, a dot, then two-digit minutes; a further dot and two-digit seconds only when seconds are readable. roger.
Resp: 10.35
